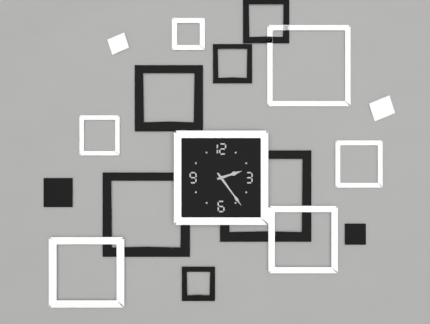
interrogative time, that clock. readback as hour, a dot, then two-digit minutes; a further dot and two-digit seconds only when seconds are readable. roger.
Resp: 2.24
